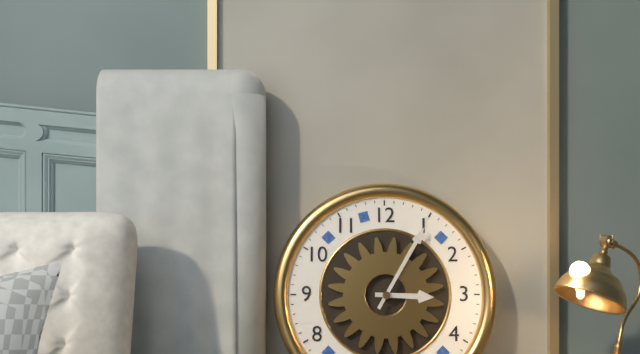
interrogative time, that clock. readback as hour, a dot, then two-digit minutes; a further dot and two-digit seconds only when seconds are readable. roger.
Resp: 3.05
